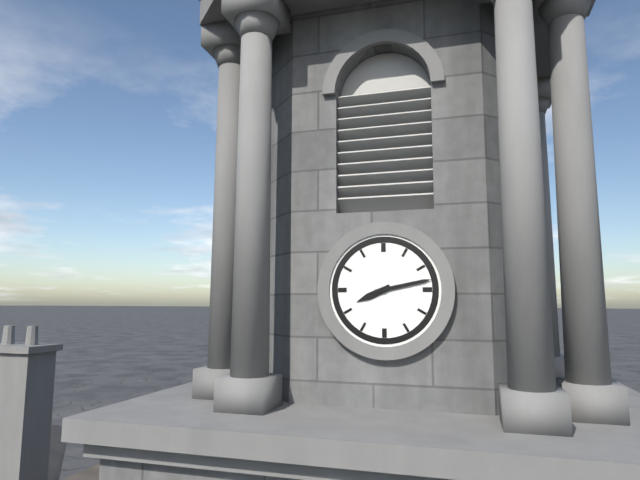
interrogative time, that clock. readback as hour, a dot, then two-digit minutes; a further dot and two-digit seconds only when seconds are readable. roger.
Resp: 8.13
